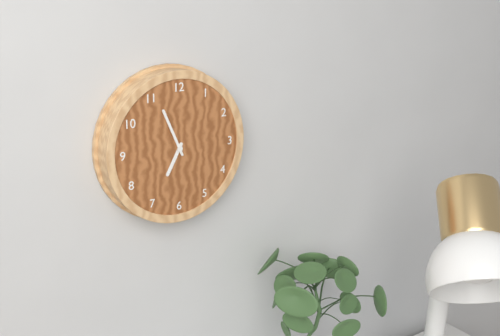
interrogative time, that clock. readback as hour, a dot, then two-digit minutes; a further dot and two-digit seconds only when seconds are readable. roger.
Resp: 6.56
